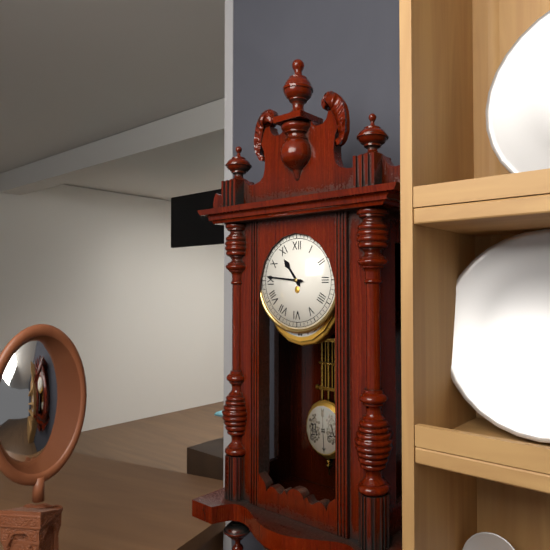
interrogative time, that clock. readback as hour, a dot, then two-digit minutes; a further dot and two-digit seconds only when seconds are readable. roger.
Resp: 10.46
